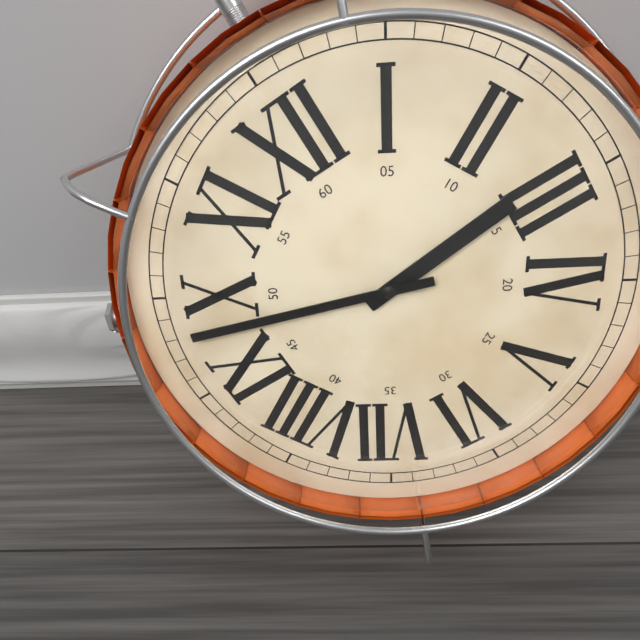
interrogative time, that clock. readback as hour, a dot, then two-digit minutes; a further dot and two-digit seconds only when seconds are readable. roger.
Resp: 2.48
